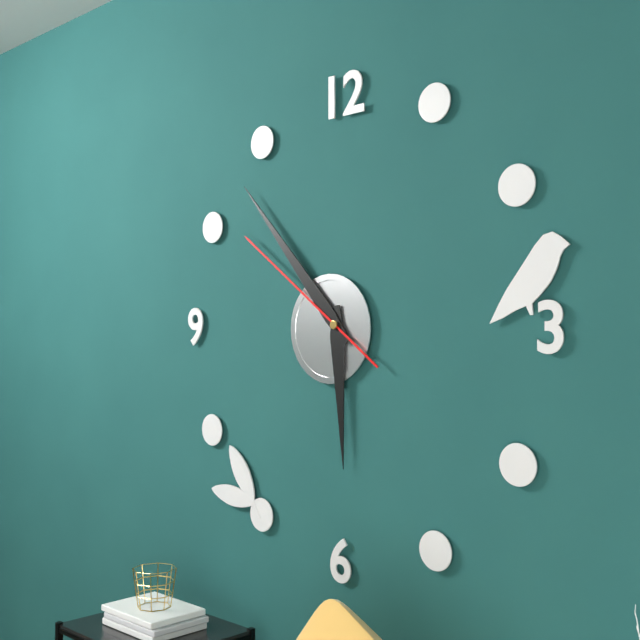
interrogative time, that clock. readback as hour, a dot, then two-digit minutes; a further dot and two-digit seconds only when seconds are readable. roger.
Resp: 5.53.51
